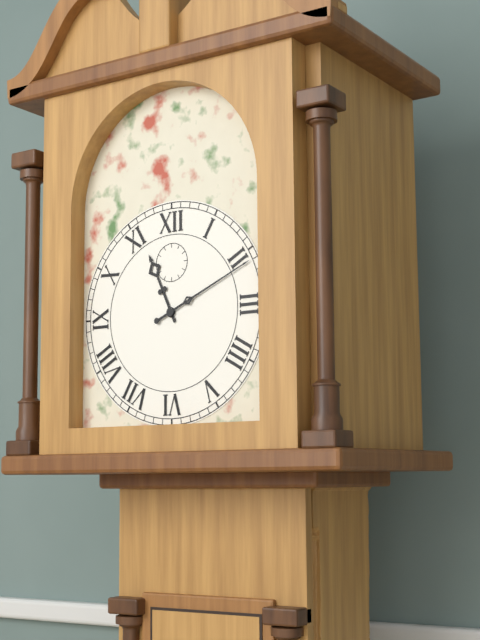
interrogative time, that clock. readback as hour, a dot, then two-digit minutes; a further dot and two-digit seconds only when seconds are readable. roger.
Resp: 11.11
